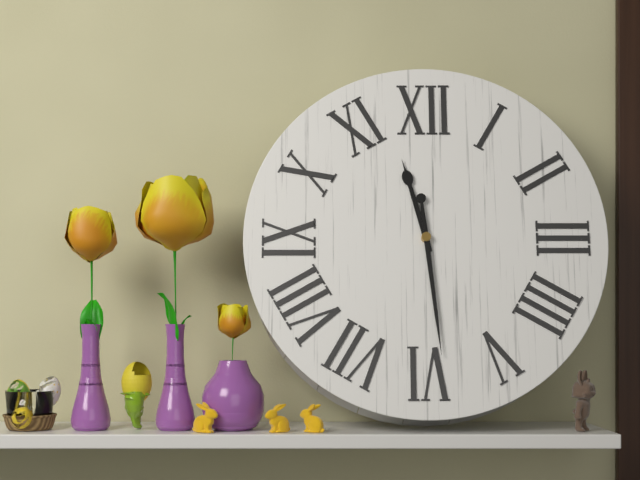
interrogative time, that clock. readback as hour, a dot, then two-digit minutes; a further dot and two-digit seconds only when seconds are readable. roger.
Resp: 11.29
